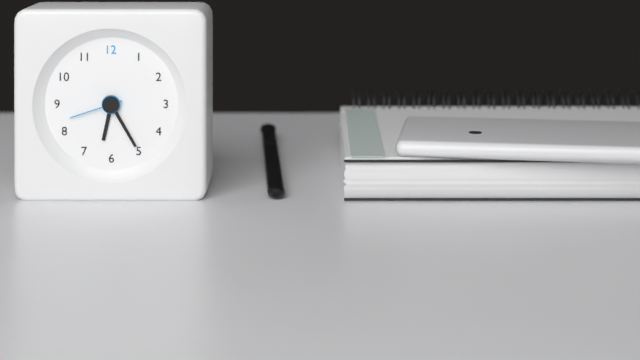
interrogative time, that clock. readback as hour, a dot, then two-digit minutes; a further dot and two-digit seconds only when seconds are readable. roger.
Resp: 6.25.42
